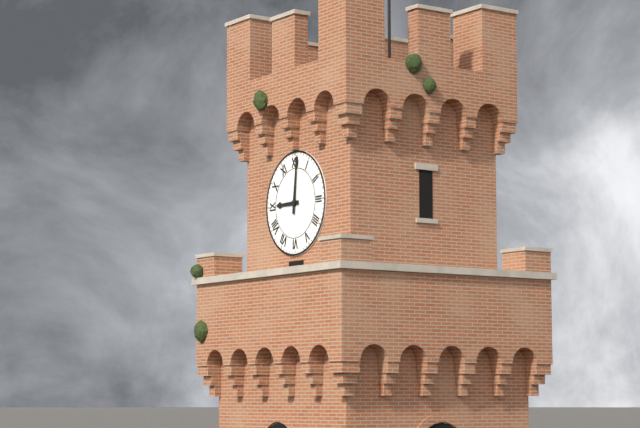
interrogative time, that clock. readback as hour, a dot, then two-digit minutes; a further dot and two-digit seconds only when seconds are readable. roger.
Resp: 9.01
